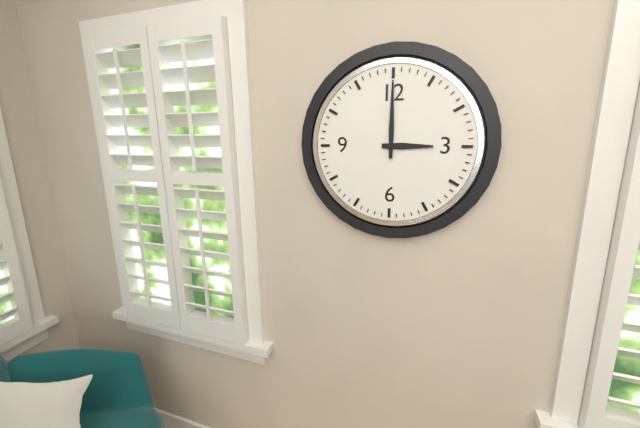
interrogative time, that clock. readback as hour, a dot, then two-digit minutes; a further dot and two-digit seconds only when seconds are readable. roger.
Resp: 3.00
